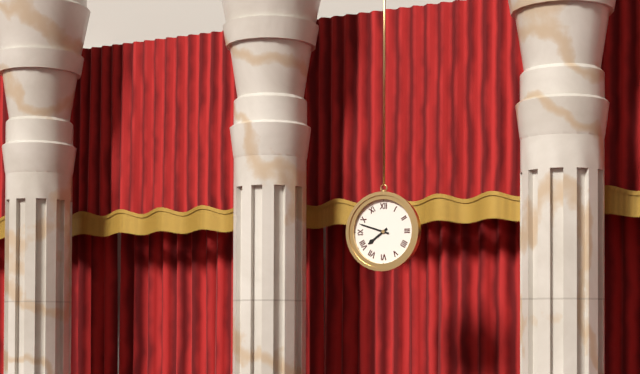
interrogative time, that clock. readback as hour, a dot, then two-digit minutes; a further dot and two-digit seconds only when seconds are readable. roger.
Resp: 7.48
